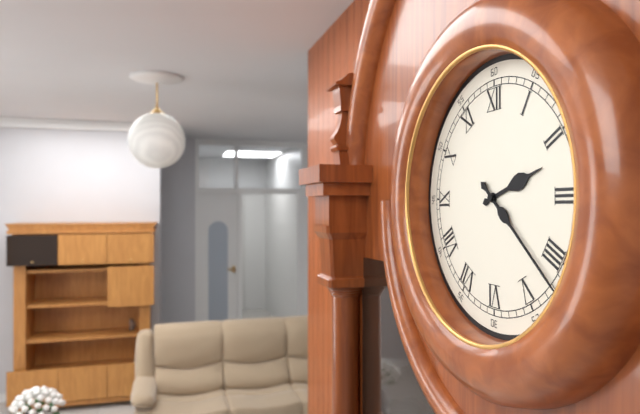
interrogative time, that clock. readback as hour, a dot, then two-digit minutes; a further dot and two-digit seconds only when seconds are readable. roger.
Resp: 2.22
